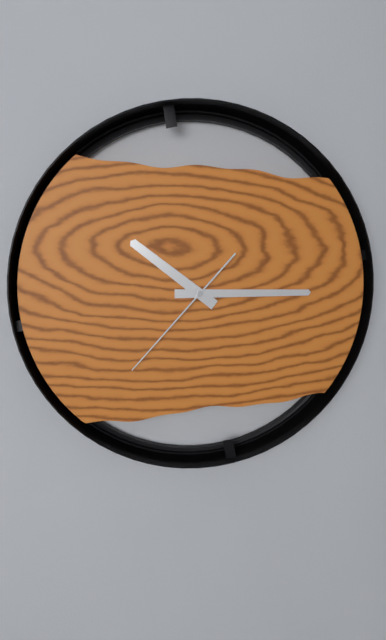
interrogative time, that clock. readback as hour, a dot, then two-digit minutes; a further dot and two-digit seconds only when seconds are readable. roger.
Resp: 10.15.37
